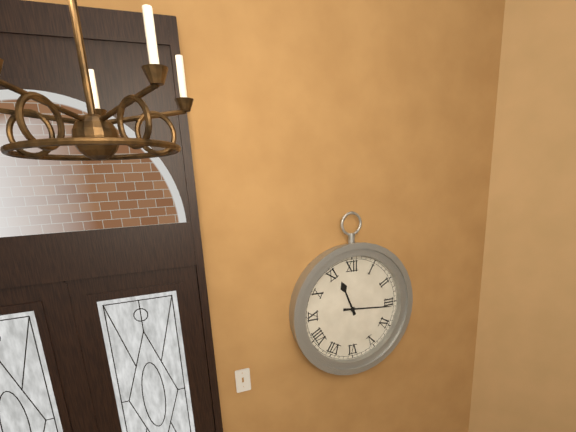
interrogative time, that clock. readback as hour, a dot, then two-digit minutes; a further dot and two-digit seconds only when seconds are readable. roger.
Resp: 11.16
